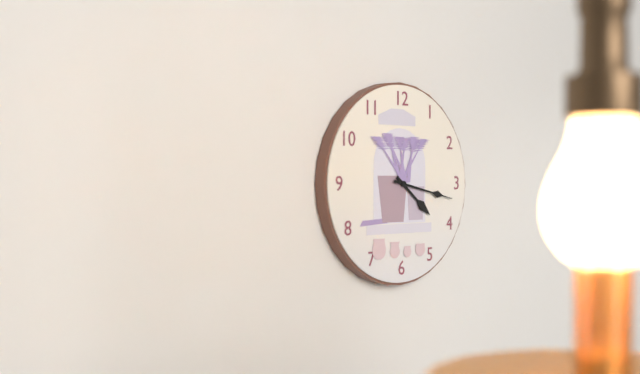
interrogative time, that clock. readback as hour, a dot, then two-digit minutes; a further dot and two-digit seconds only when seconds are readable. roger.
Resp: 4.17
